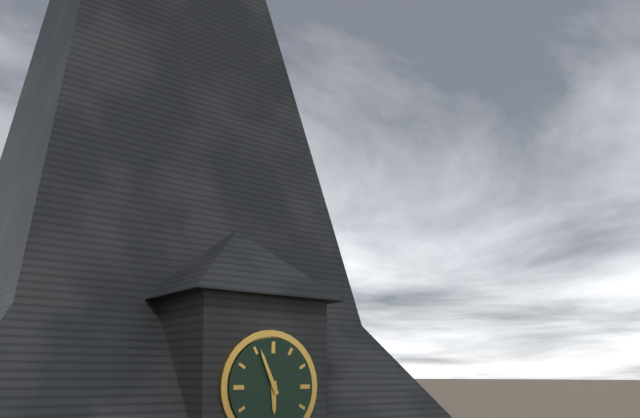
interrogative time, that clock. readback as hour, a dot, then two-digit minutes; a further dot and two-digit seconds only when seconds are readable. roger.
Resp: 5.56
